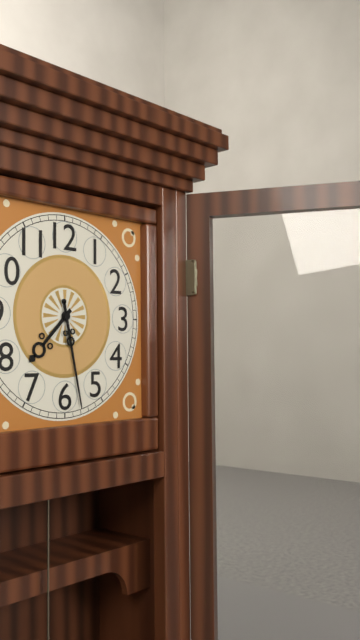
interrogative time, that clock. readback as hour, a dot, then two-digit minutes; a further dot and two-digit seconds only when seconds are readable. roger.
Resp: 7.28
